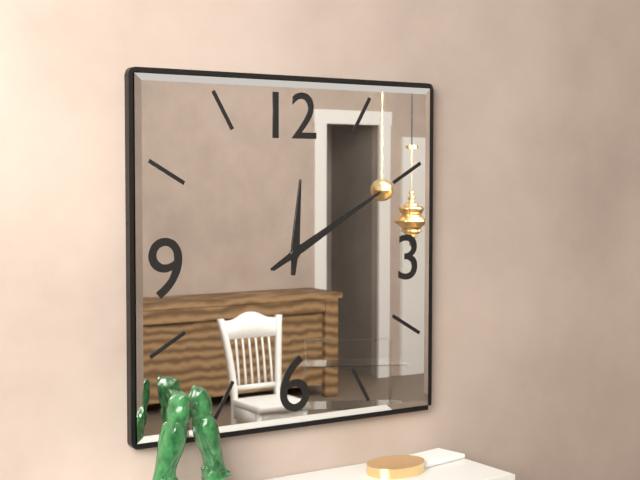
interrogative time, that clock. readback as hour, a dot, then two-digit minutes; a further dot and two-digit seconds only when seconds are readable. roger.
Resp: 12.10
